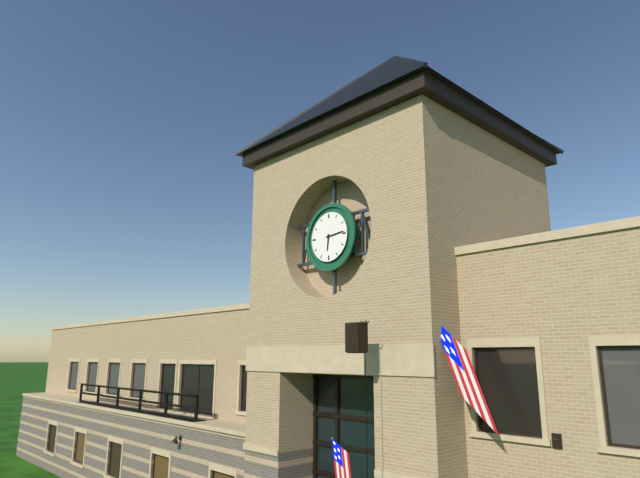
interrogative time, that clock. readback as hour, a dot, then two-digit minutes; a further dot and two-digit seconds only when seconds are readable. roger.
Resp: 6.14
